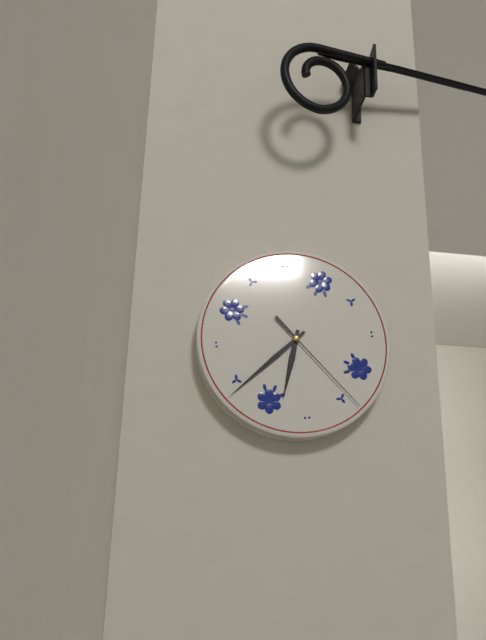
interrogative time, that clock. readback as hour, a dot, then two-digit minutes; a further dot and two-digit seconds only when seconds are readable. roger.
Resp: 6.39.24
